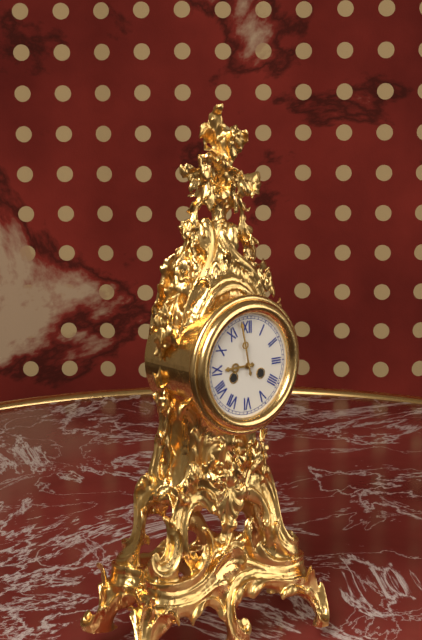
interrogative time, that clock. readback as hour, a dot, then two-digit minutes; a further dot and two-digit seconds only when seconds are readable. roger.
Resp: 8.58
